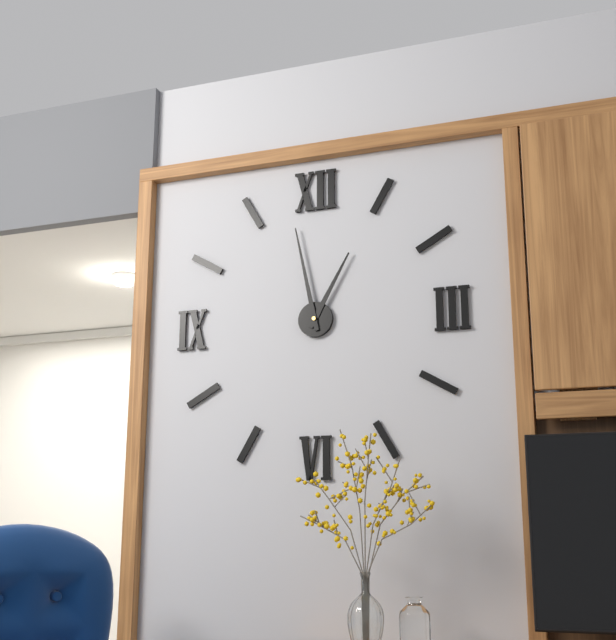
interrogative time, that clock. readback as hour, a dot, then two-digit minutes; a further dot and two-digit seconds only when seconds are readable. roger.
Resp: 12.58
